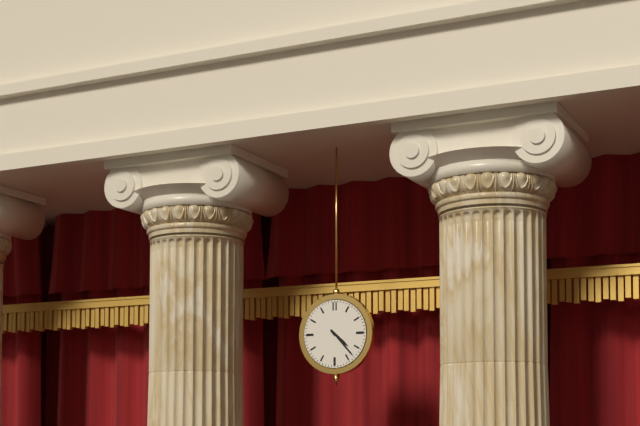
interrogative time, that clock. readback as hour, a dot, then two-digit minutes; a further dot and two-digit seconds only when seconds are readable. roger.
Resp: 4.23
